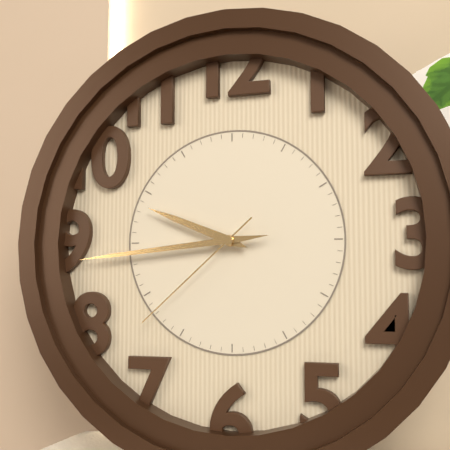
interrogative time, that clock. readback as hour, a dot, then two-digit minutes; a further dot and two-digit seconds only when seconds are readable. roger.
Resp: 9.44.38
